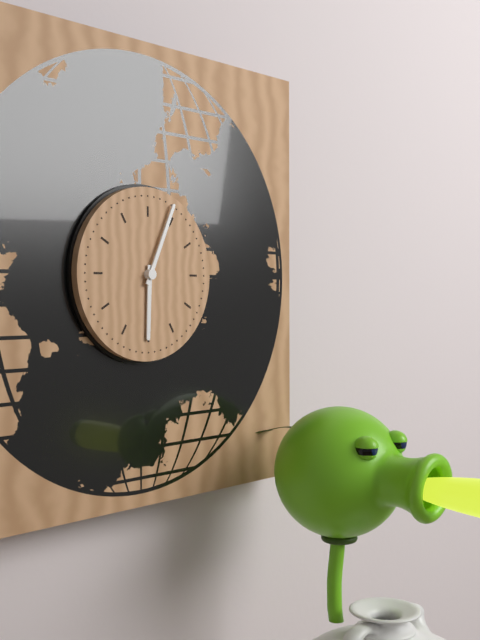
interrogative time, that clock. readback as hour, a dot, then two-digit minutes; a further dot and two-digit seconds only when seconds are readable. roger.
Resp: 6.04
